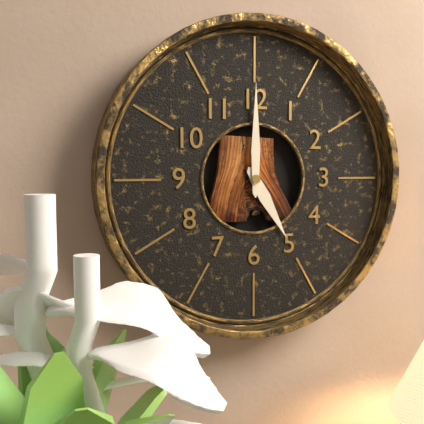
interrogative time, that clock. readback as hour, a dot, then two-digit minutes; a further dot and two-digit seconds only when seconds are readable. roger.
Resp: 5.00
